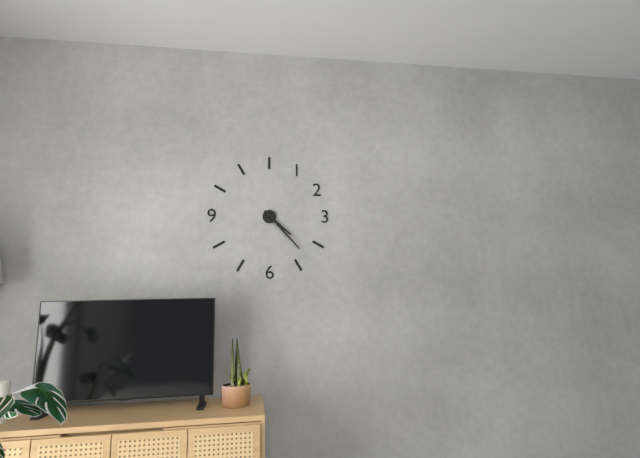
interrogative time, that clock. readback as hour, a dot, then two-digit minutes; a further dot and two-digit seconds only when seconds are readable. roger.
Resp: 4.23
